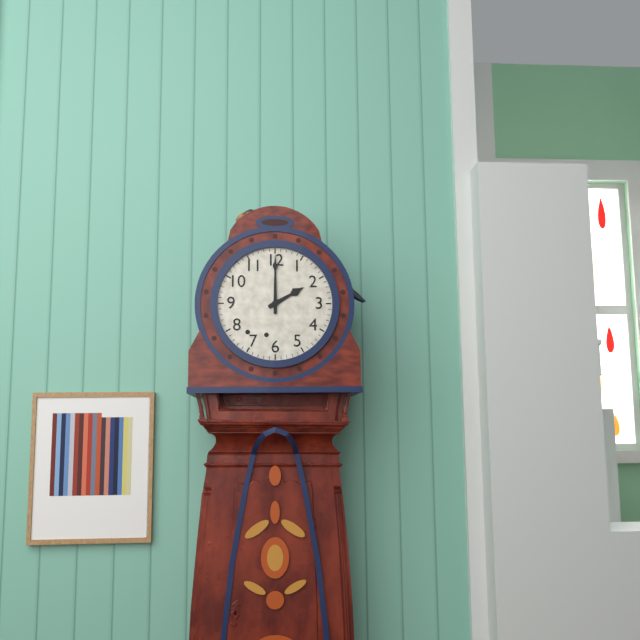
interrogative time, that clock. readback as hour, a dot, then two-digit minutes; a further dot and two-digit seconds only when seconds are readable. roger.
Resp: 2.00
